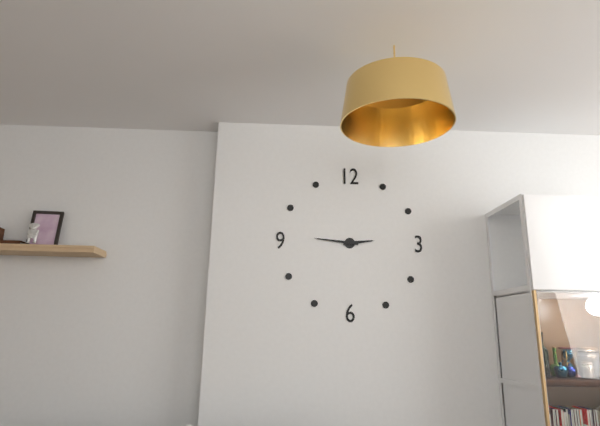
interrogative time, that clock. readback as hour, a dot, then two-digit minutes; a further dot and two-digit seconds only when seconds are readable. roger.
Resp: 2.46
